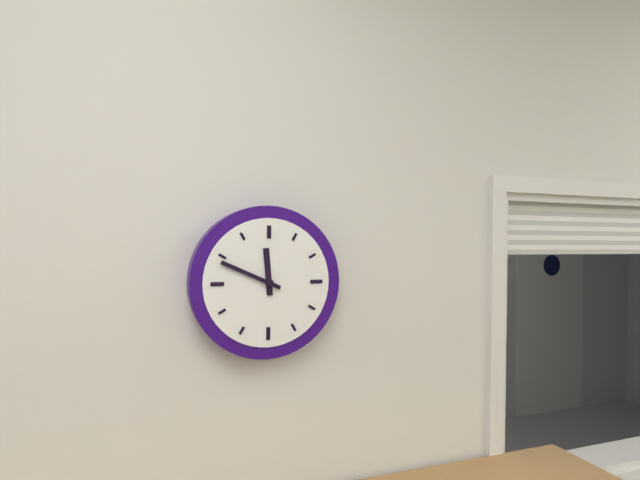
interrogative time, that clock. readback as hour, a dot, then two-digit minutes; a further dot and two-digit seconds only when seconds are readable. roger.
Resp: 11.49
